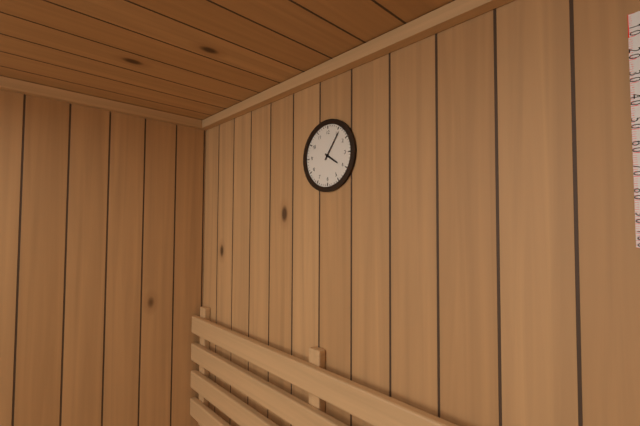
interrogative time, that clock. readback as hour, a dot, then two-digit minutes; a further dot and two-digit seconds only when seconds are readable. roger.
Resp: 4.06
